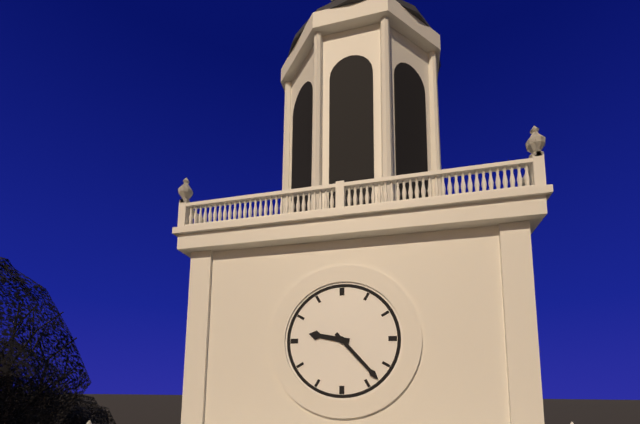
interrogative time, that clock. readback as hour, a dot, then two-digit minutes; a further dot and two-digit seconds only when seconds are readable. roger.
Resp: 9.23
